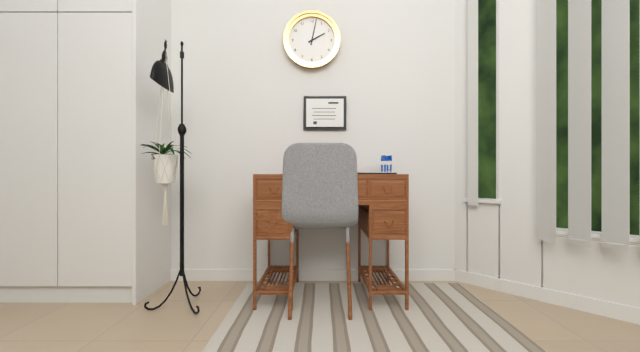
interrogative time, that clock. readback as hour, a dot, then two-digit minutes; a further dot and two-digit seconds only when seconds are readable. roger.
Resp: 2.02
